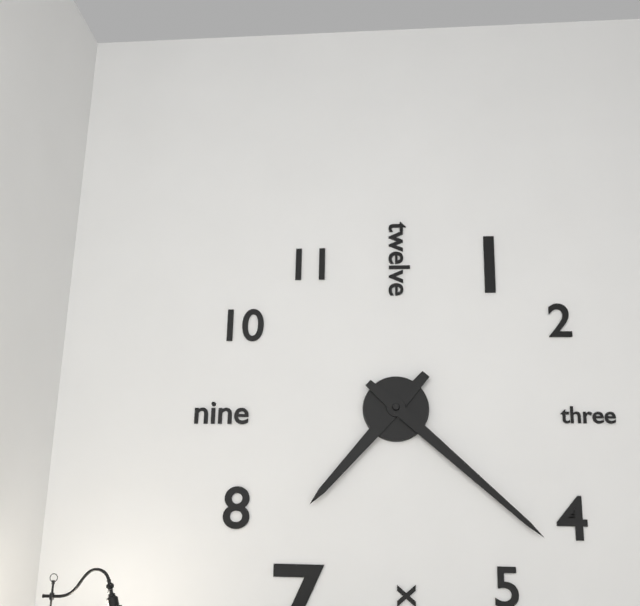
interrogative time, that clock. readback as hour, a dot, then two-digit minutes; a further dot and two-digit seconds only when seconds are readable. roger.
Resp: 7.22
